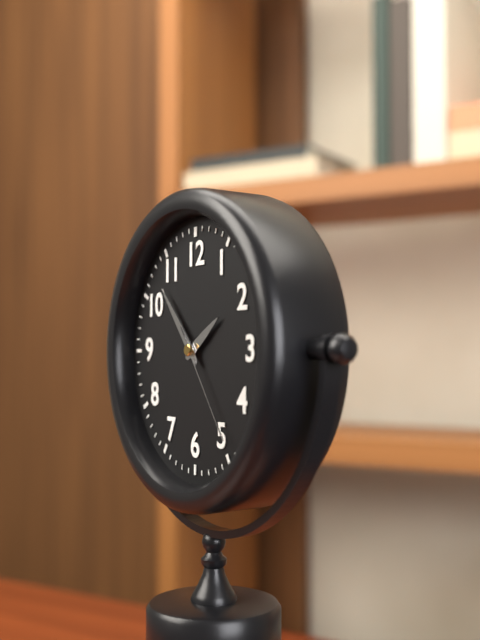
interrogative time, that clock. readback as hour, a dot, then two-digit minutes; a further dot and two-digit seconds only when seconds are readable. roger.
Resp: 1.53.24
